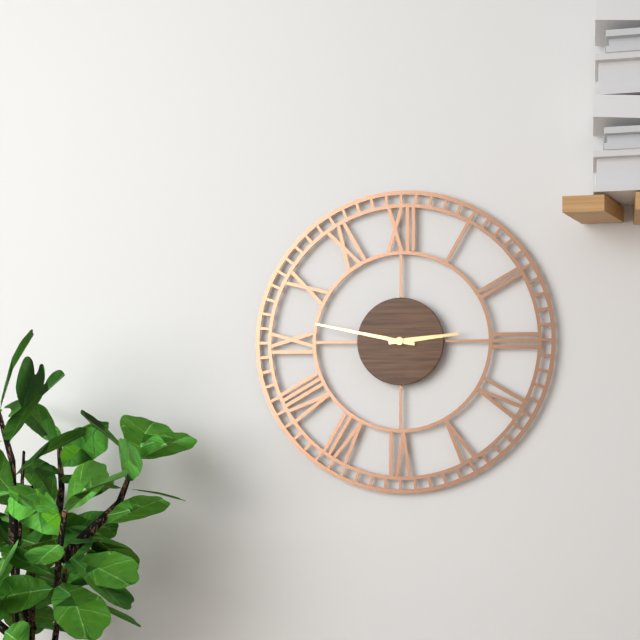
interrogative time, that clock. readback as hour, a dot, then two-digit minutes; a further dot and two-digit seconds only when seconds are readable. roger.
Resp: 2.47
